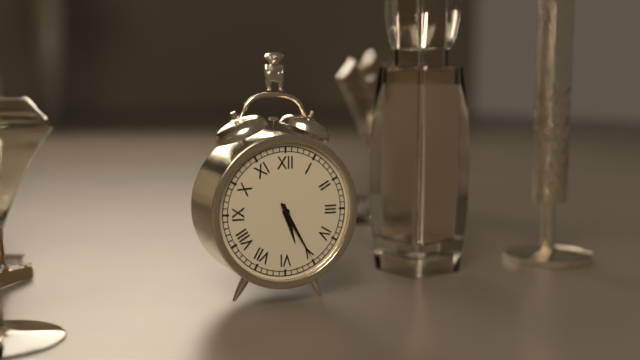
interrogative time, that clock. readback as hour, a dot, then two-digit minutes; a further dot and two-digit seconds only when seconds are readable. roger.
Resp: 5.25
